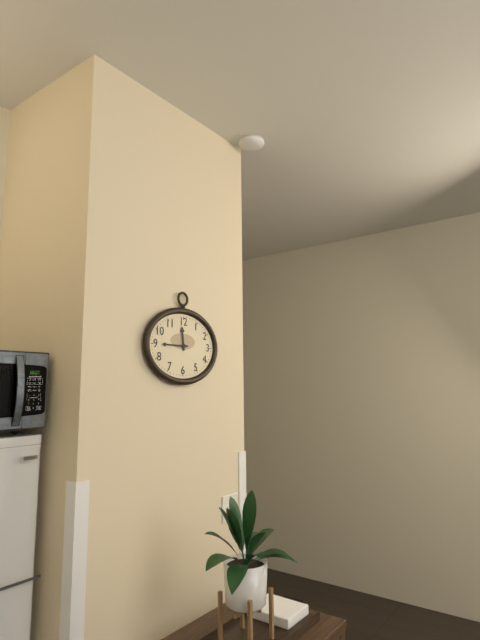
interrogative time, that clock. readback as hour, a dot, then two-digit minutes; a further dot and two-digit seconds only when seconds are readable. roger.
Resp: 11.45
